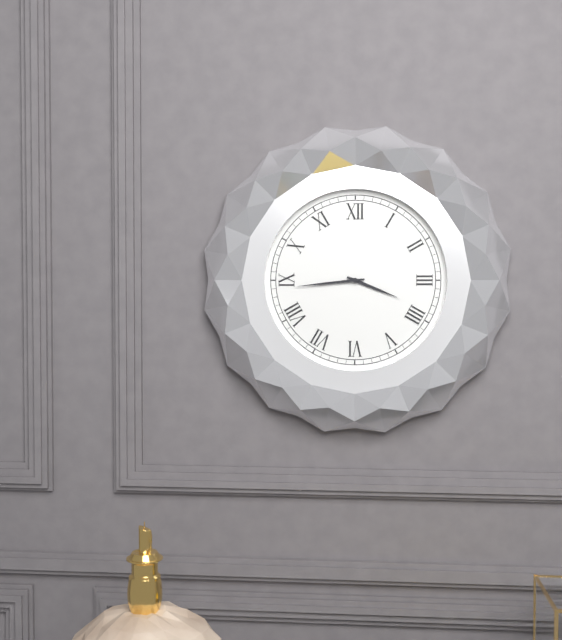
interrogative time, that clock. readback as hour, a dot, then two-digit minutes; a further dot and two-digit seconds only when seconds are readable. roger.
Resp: 3.44
